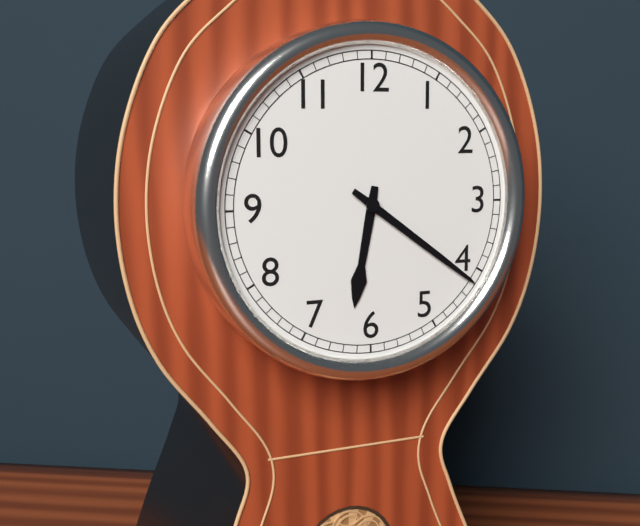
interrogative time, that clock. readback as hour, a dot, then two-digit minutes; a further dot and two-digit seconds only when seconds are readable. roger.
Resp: 6.21
